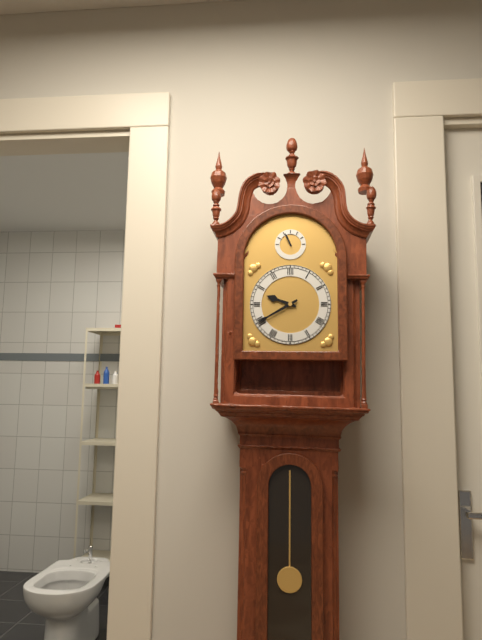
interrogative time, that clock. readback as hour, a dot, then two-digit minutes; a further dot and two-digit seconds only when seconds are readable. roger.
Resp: 9.40
